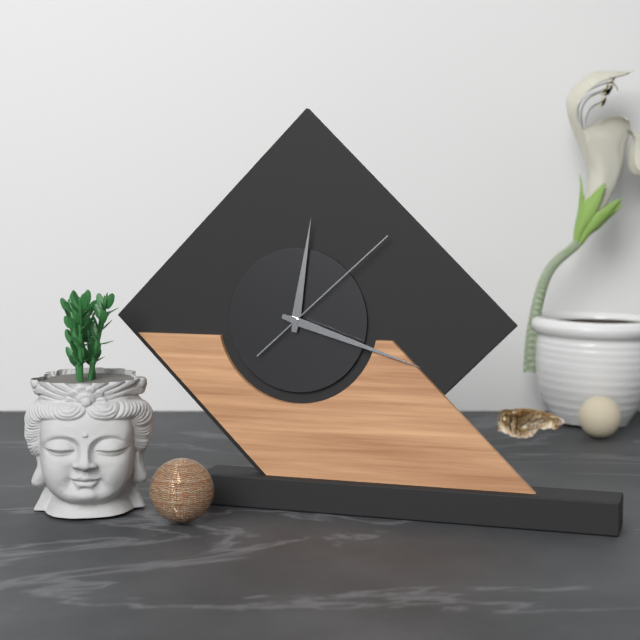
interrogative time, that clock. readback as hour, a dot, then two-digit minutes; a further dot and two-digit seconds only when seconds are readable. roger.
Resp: 12.18.08
